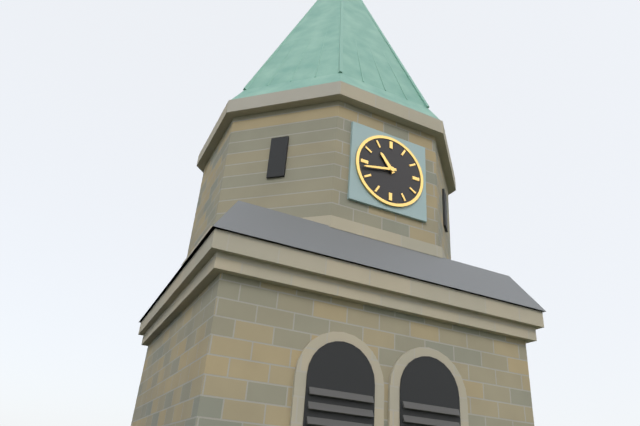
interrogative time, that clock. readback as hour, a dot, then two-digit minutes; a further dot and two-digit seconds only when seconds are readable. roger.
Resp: 10.43
